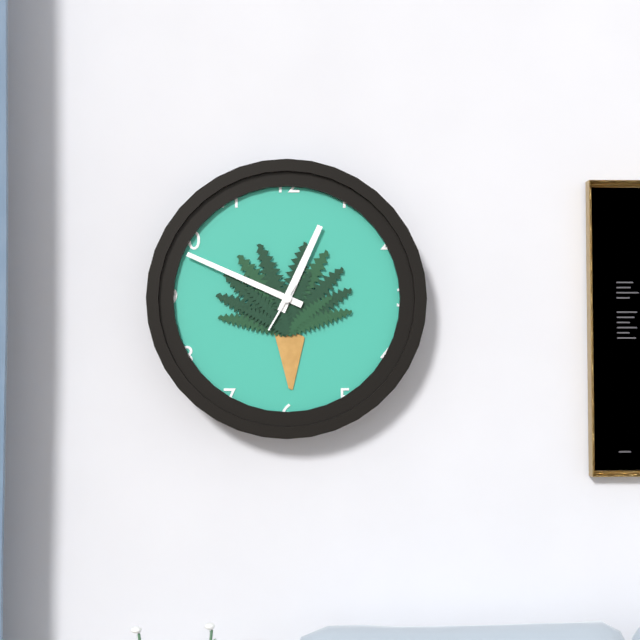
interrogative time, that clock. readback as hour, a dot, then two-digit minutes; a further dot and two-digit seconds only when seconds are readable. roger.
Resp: 12.49
